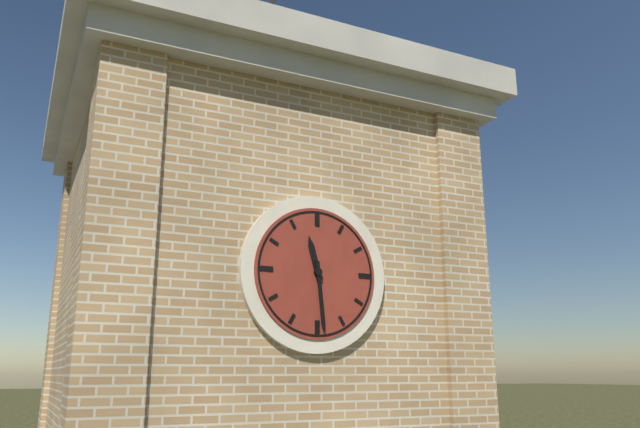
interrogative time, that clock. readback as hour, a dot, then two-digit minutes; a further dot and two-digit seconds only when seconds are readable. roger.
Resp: 11.29
